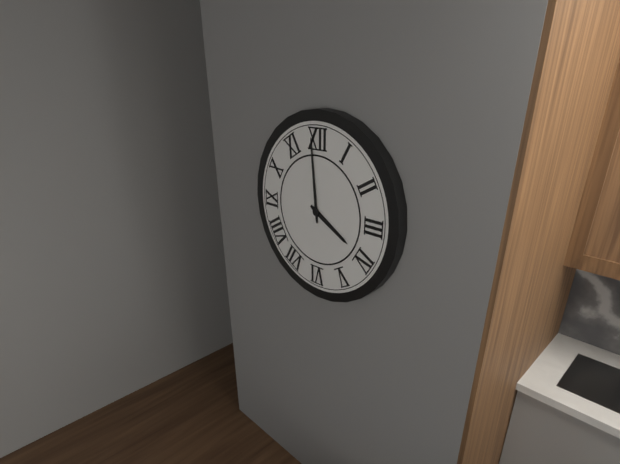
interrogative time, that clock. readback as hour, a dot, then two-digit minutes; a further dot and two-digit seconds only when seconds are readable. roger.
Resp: 3.59
